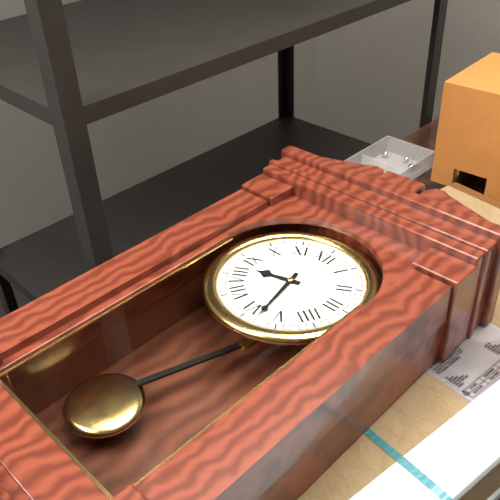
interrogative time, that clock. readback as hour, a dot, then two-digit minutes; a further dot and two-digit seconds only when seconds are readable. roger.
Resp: 8.28
